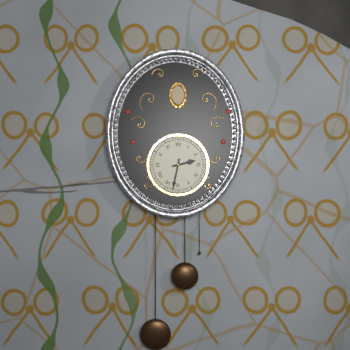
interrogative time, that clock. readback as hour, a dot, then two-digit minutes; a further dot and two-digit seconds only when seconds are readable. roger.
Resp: 2.32
